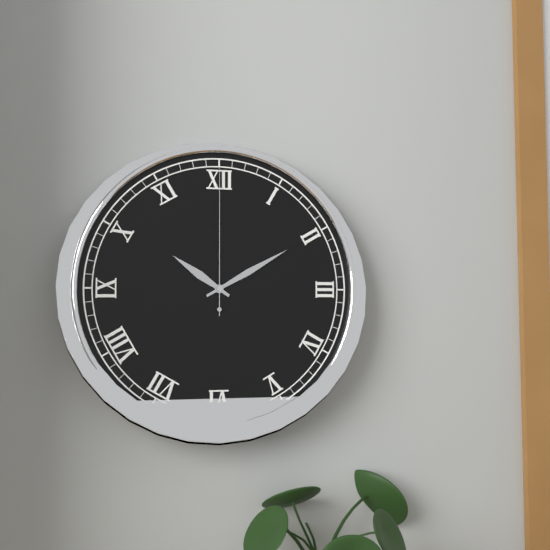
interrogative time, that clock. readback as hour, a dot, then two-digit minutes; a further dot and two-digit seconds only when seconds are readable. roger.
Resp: 10.10.00
